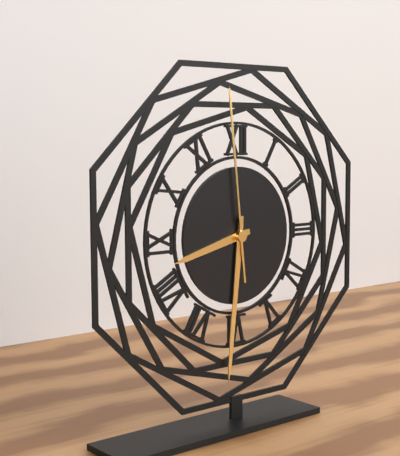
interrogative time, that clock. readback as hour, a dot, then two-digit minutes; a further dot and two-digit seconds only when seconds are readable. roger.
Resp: 8.31.59
